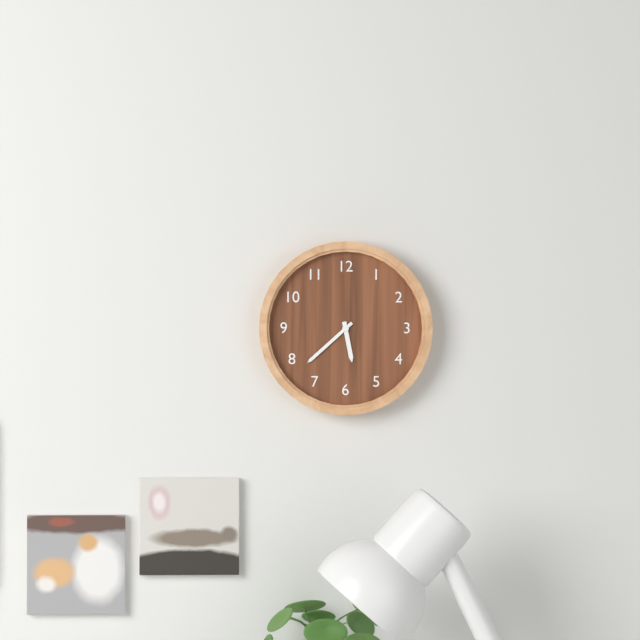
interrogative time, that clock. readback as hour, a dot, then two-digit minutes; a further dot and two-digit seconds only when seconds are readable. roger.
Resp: 5.38
